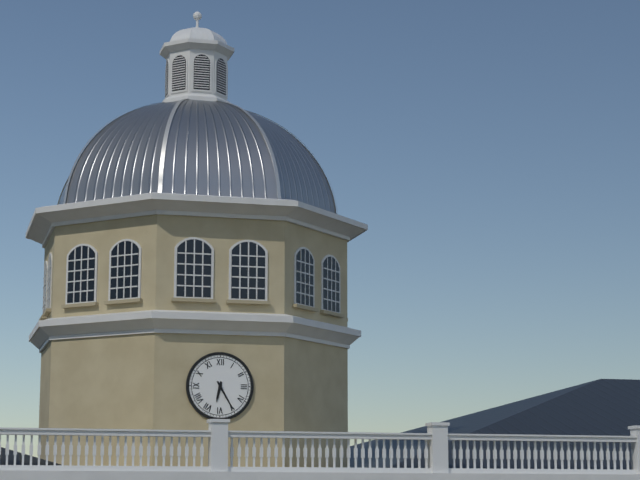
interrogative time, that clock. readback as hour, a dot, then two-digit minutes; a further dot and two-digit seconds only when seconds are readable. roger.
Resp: 6.25
